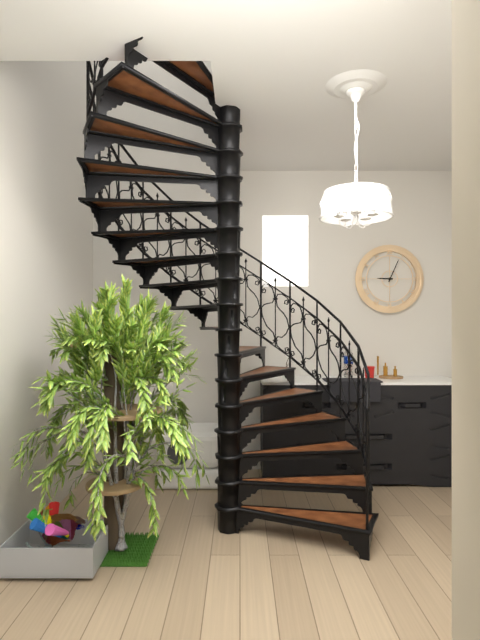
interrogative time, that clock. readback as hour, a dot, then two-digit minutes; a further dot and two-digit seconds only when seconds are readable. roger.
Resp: 9.04
